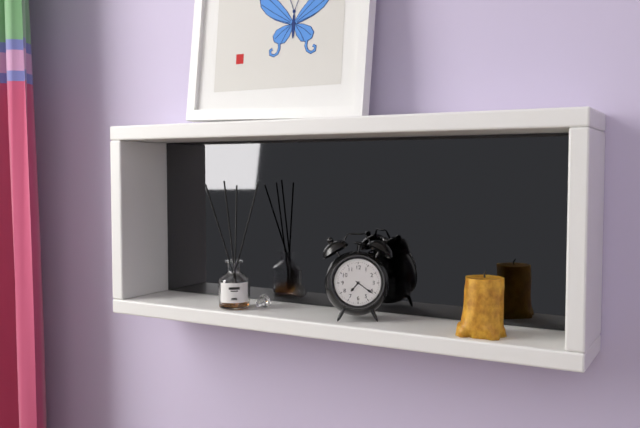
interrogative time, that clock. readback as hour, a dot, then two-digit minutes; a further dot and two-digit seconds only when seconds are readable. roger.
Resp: 7.21
